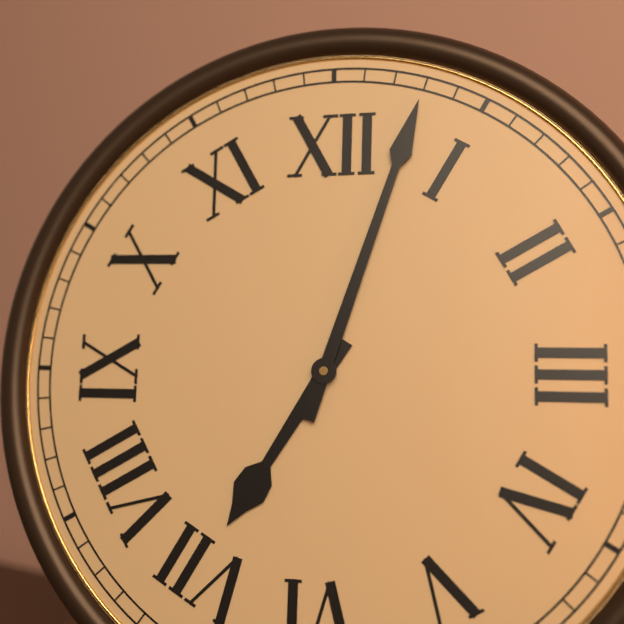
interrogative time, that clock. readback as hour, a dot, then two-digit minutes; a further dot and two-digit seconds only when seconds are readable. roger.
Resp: 7.03
